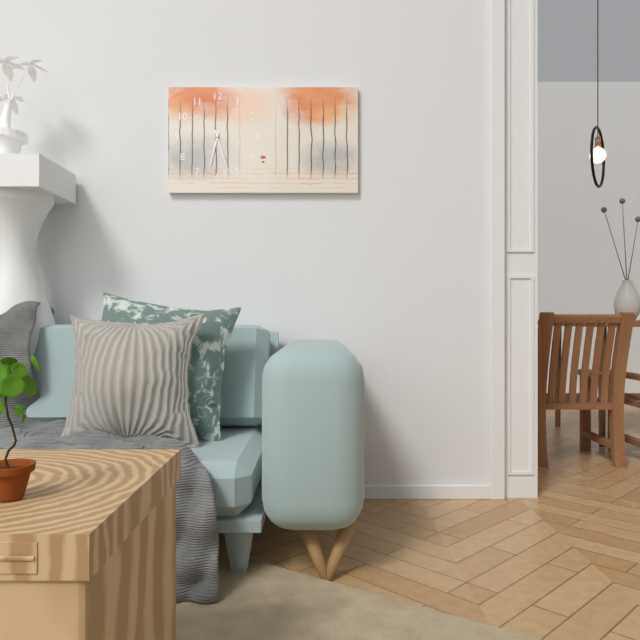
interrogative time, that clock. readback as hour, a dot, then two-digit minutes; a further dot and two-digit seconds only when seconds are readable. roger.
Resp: 6.27
